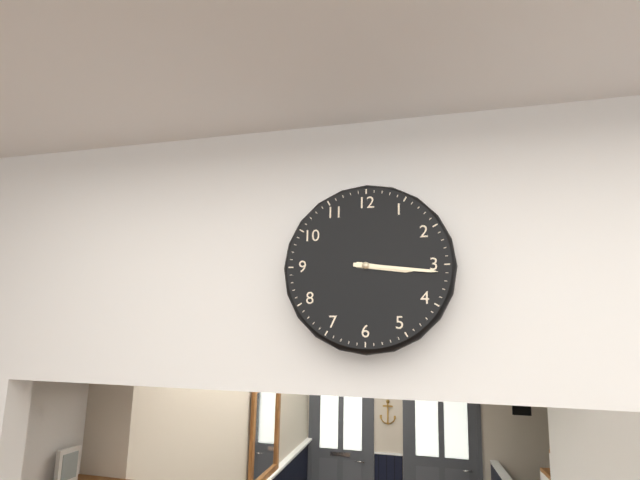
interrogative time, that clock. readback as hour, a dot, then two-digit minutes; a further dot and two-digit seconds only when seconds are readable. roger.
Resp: 3.16
